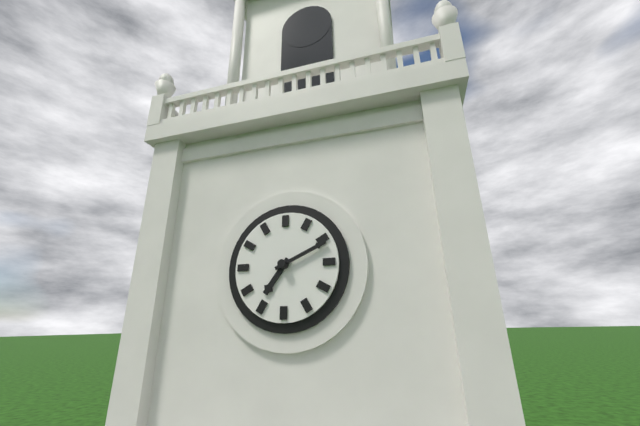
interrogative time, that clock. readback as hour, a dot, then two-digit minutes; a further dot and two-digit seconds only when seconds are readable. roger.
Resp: 7.11
